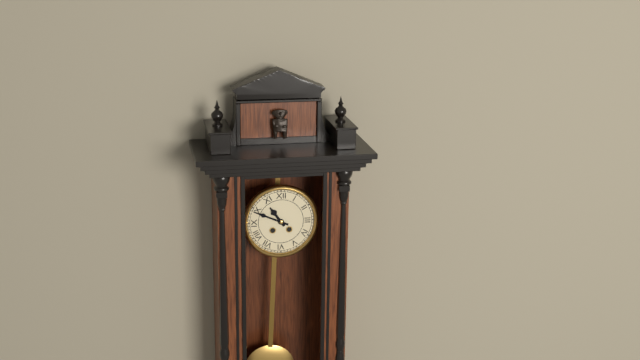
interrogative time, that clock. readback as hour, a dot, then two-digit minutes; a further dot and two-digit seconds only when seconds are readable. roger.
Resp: 10.49
